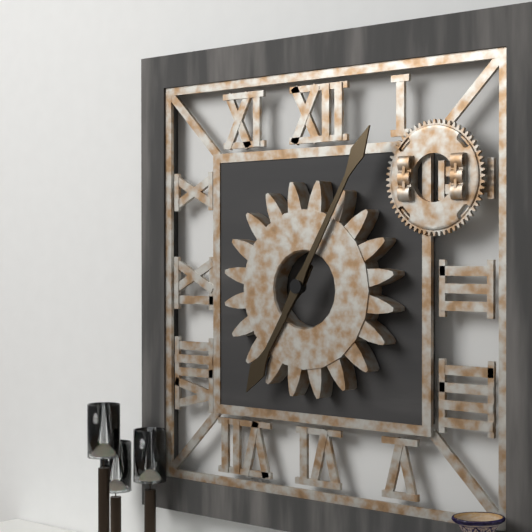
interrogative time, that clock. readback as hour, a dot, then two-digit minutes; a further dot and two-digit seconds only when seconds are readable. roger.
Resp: 7.05
